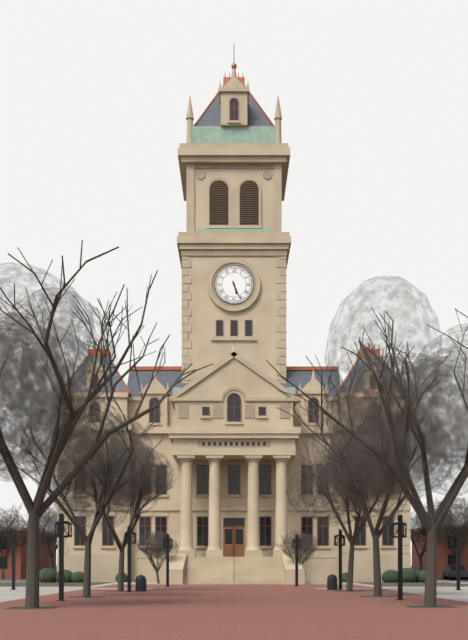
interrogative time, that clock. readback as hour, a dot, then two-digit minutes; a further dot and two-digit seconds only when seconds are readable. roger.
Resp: 5.26
